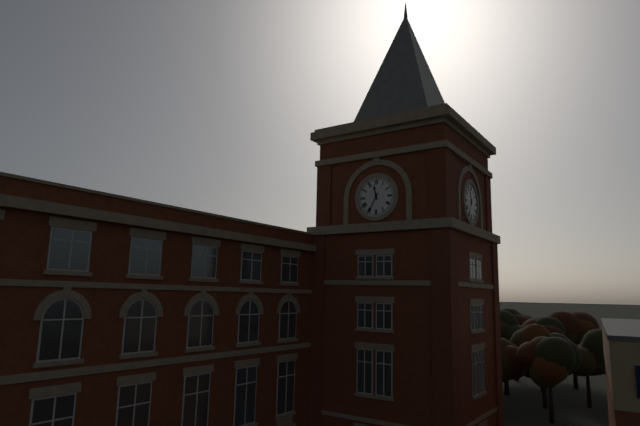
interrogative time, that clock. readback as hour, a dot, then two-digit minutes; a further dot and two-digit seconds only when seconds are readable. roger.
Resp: 11.35
